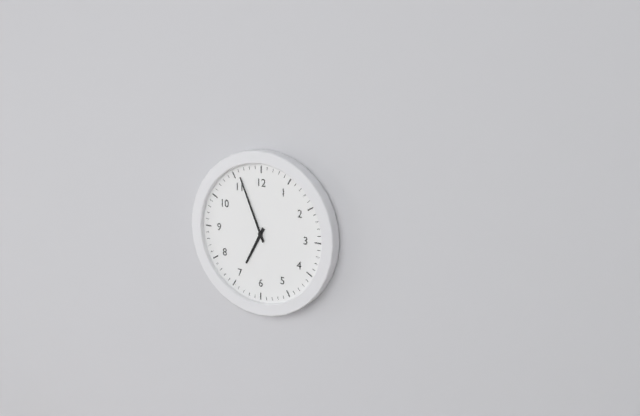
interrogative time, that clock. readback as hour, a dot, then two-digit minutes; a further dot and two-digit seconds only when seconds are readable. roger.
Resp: 6.56
